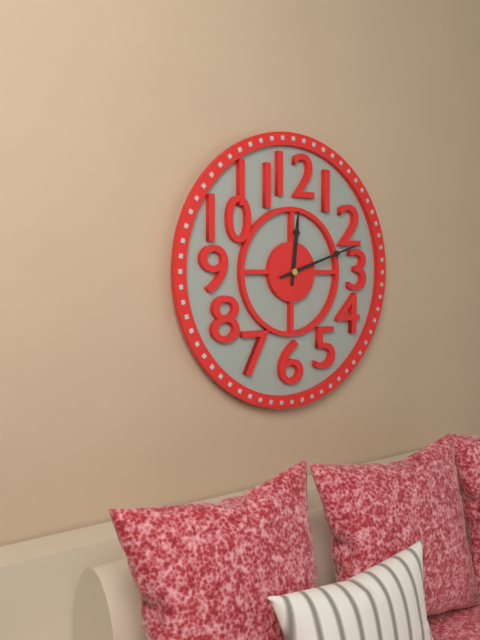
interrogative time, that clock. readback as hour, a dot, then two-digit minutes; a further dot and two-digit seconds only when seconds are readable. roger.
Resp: 12.12
